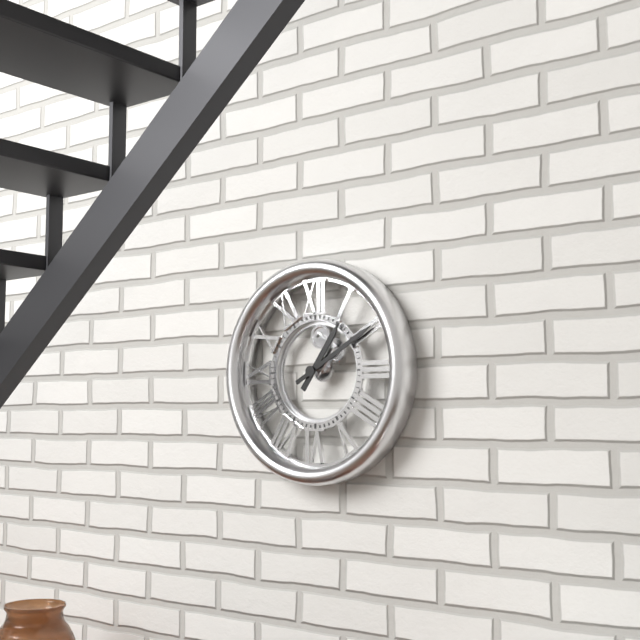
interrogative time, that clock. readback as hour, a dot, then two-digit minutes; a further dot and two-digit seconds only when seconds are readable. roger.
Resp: 1.10
